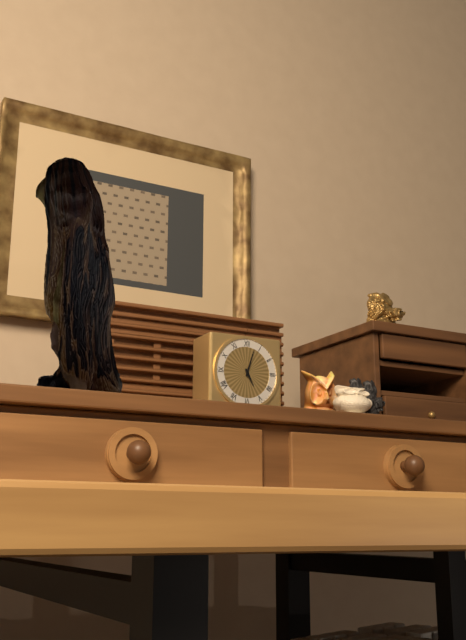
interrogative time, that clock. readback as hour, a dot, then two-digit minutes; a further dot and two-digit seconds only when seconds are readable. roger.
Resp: 5.03
